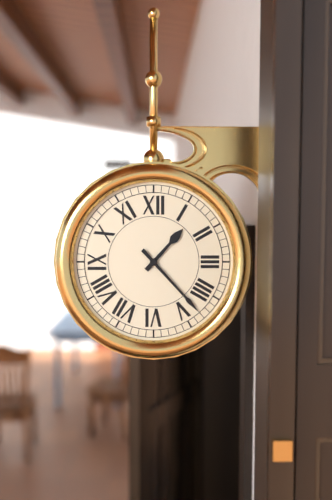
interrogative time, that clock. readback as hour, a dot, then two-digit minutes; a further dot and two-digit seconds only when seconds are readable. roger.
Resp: 1.23
